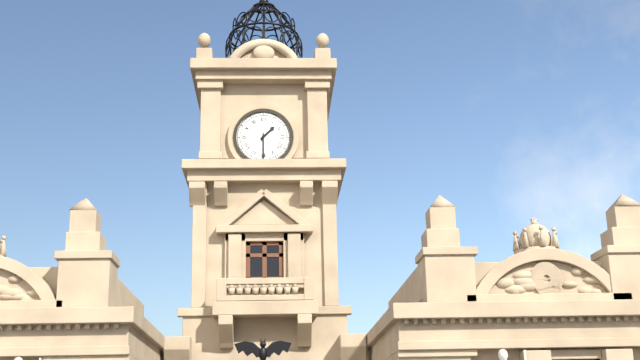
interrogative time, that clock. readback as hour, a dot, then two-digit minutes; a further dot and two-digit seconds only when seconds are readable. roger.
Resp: 1.30
